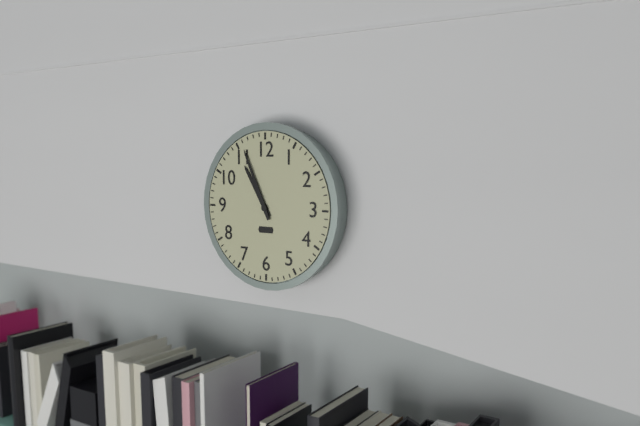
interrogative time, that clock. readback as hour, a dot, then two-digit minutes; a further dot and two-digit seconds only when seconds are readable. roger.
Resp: 10.56
